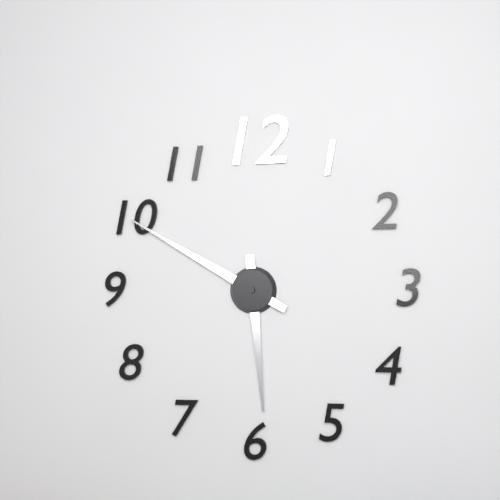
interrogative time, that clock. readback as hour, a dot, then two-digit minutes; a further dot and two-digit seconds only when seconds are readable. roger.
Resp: 5.50
